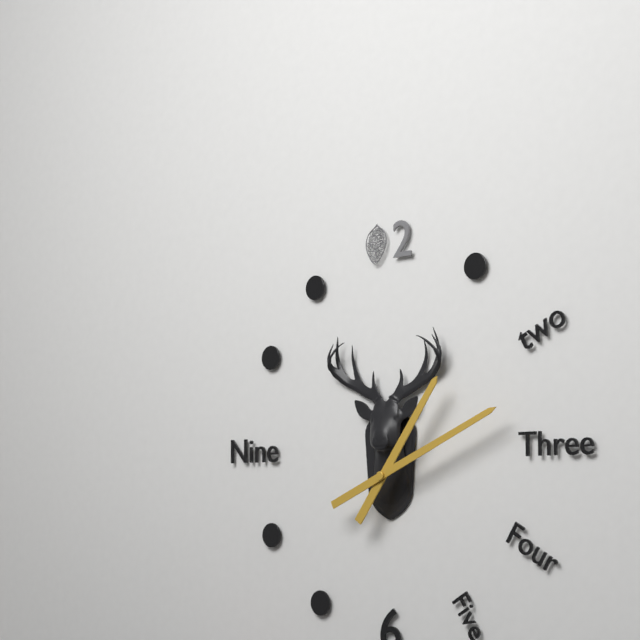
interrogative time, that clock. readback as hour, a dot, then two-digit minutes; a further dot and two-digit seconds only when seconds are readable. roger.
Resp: 1.11
